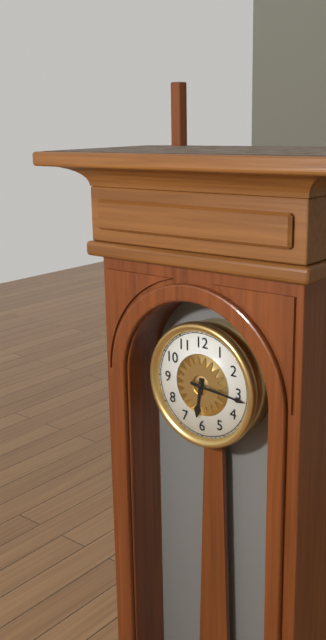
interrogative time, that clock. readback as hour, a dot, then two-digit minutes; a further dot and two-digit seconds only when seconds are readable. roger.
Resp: 6.16
